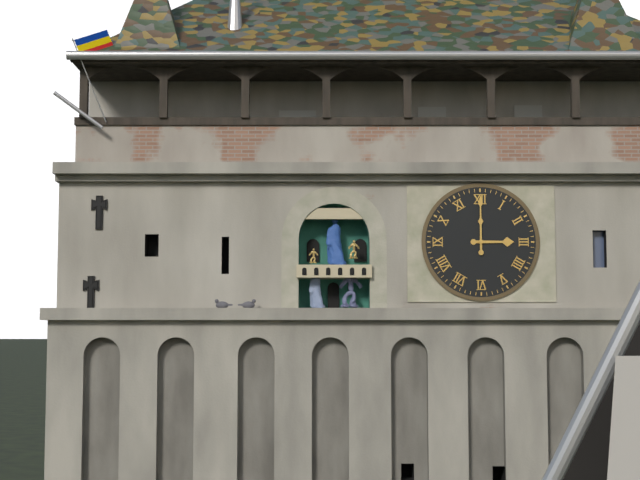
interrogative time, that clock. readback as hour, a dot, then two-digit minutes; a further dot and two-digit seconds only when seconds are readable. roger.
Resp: 3.00
